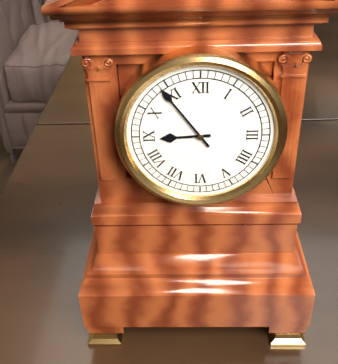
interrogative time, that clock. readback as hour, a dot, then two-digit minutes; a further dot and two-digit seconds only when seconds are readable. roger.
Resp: 8.54
